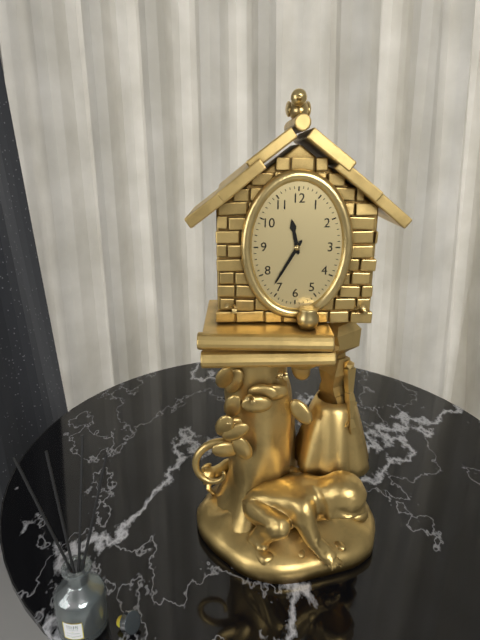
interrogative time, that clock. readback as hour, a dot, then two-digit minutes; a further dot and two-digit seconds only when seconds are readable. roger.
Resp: 11.35
